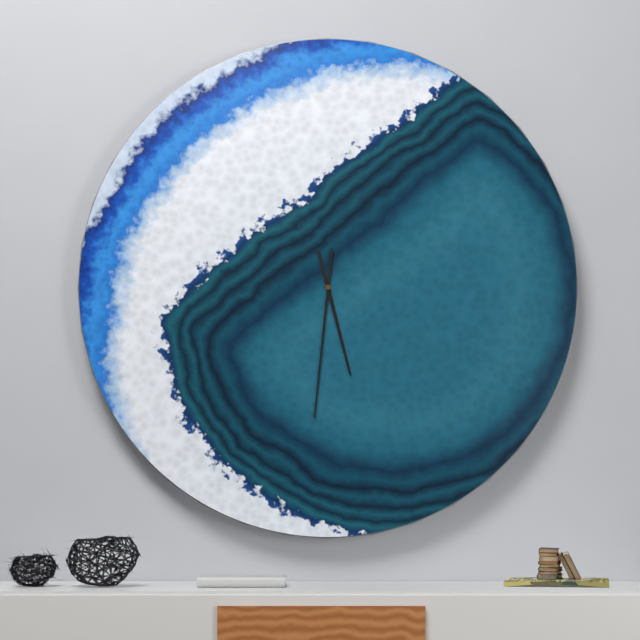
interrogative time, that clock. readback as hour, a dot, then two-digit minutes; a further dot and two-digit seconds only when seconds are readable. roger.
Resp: 5.31
